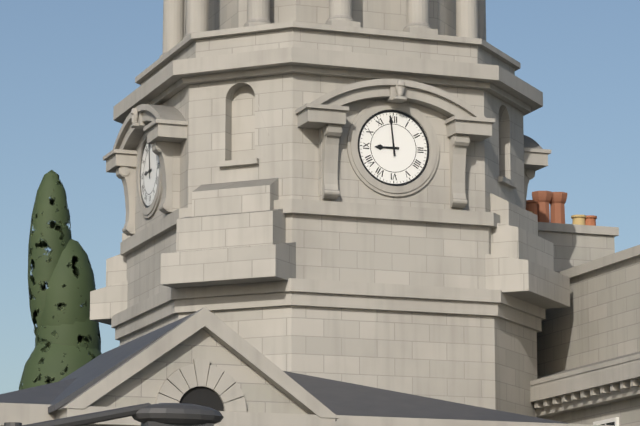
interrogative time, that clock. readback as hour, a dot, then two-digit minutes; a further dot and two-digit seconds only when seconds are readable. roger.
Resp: 8.59
